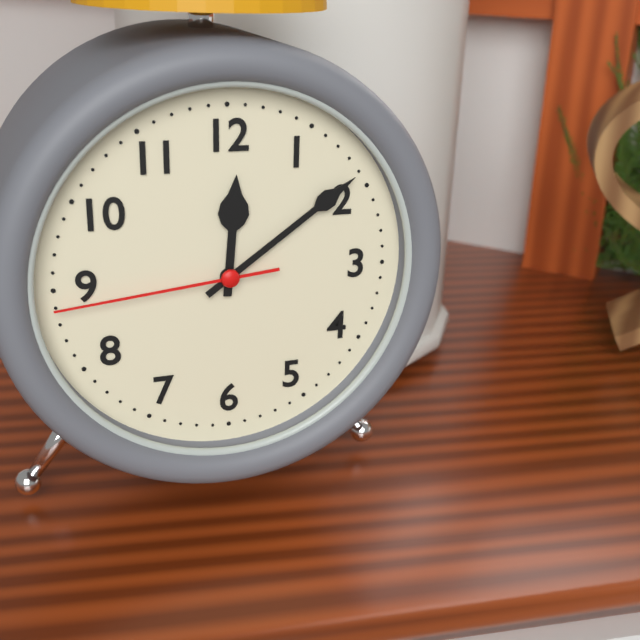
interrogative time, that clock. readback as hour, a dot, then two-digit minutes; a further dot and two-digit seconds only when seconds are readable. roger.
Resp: 12.09.44
